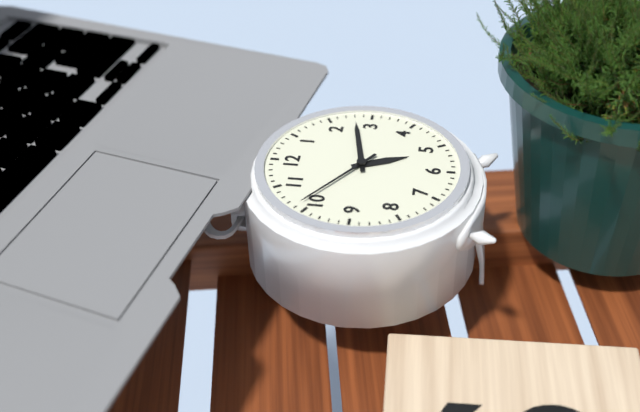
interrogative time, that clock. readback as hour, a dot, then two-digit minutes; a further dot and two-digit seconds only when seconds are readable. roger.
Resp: 5.13.51
